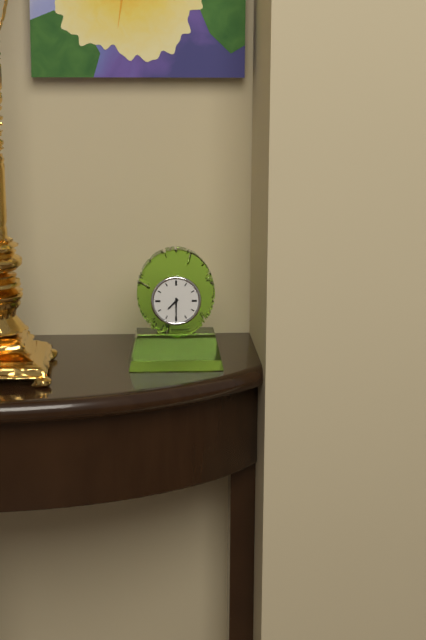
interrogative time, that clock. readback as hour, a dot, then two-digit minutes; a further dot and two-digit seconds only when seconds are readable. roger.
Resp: 7.30
